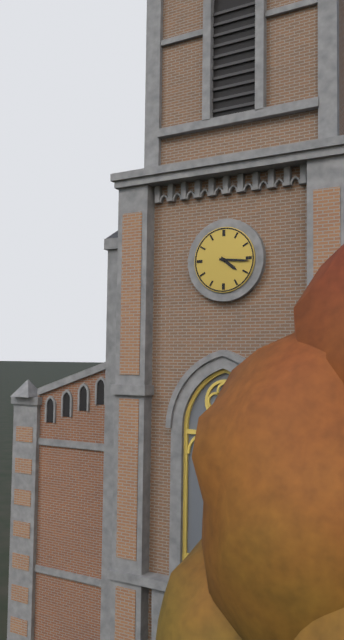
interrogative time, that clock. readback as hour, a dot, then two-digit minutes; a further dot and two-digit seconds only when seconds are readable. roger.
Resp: 4.16
